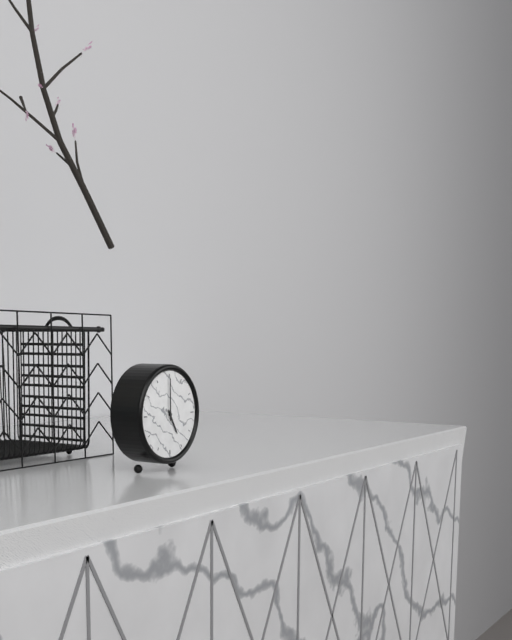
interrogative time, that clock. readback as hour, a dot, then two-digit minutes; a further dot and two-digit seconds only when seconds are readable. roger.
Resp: 5.00
